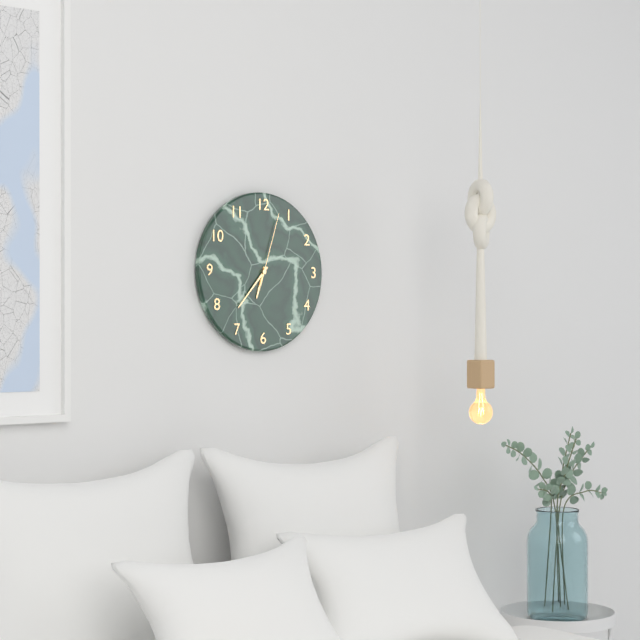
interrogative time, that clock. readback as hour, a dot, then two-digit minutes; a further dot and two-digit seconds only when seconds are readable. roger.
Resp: 6.37.03
